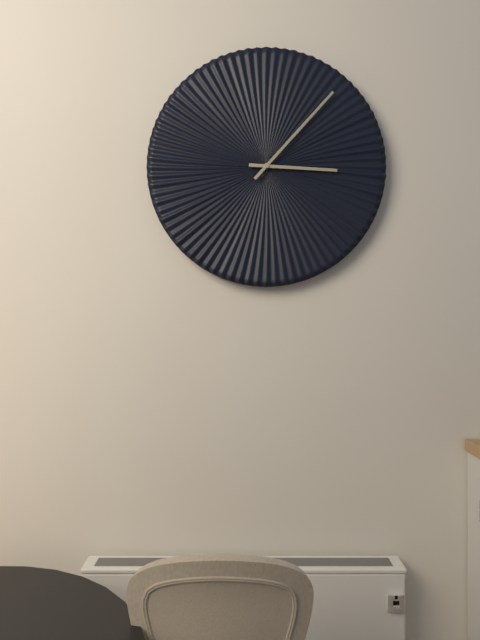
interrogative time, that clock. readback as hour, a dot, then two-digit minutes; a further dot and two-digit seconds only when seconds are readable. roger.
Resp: 3.07
